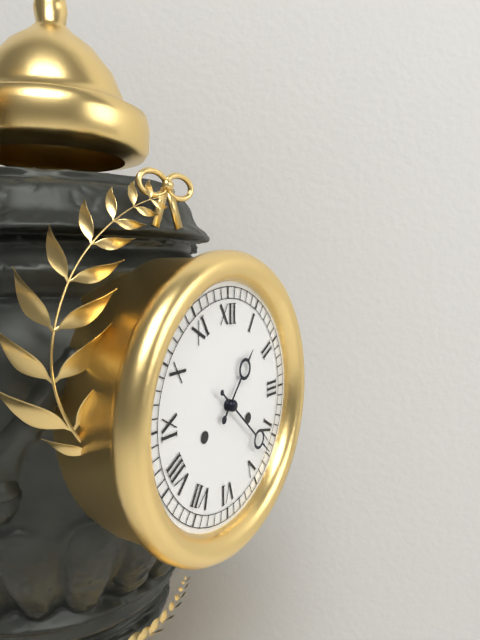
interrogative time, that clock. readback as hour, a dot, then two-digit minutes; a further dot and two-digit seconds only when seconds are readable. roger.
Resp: 1.22
